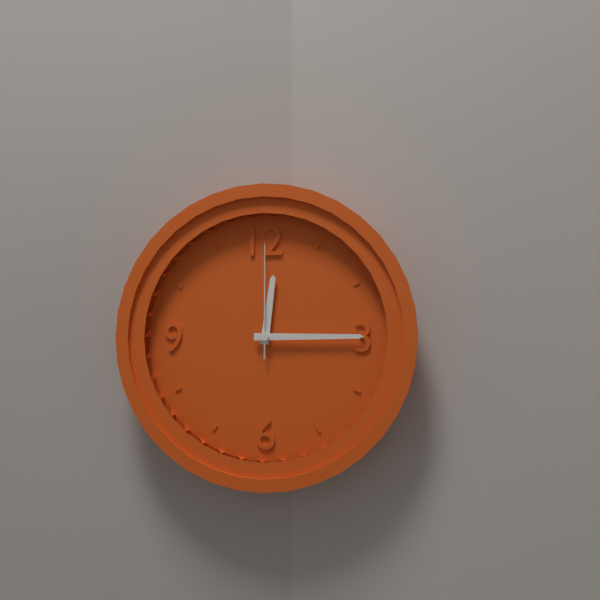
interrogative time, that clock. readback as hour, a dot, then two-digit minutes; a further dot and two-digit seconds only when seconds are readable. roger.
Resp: 12.15.00
